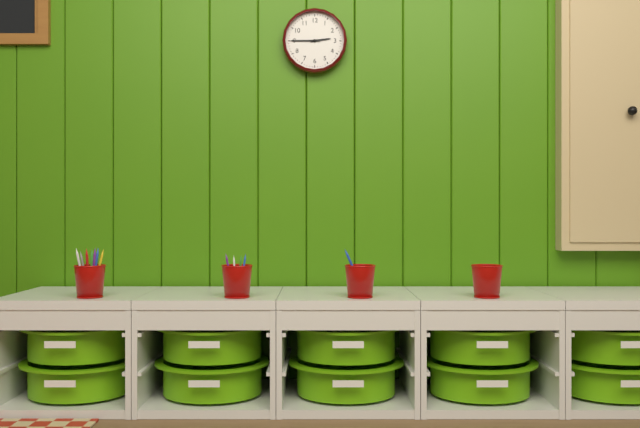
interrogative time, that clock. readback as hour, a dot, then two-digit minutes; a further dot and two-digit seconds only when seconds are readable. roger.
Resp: 2.45
